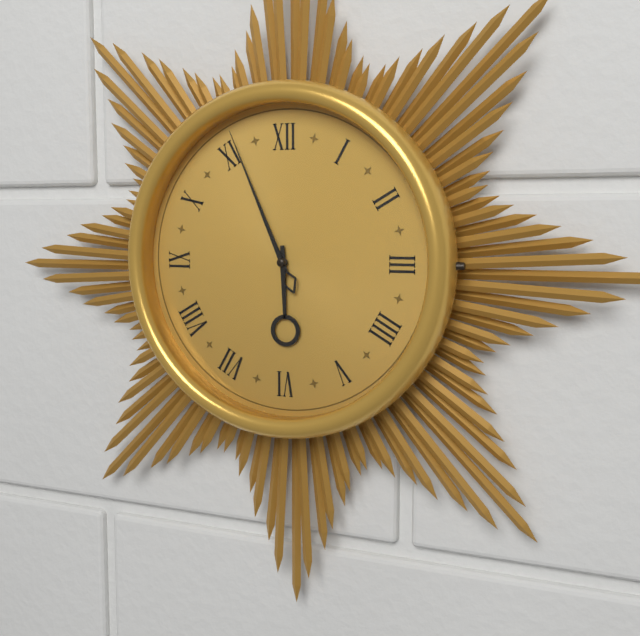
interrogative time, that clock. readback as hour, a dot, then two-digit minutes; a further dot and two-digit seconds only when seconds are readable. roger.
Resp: 5.56
